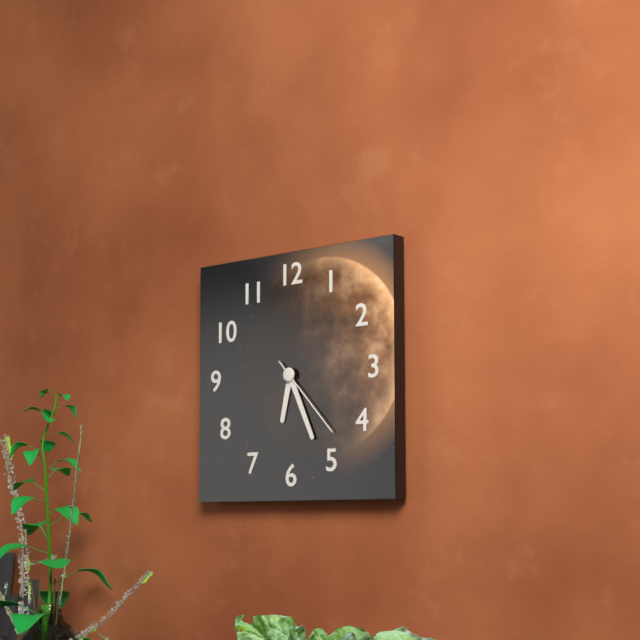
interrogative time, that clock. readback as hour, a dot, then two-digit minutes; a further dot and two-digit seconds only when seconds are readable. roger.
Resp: 6.26.23
